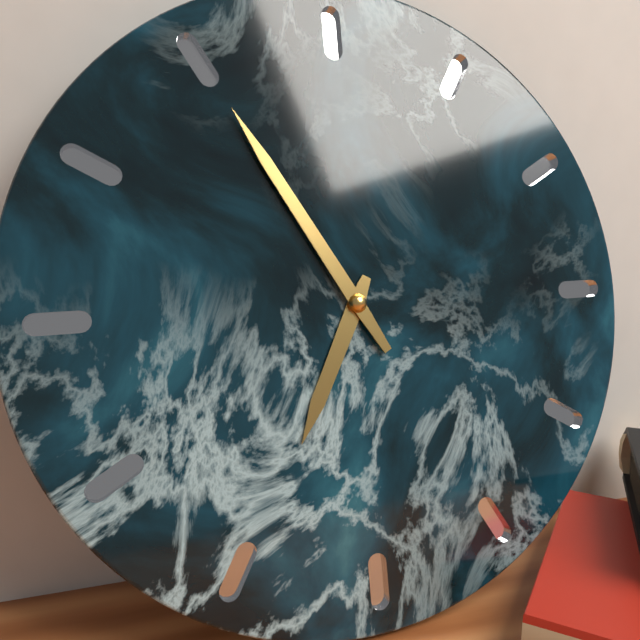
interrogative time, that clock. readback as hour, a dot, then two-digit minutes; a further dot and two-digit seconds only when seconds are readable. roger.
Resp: 6.55
